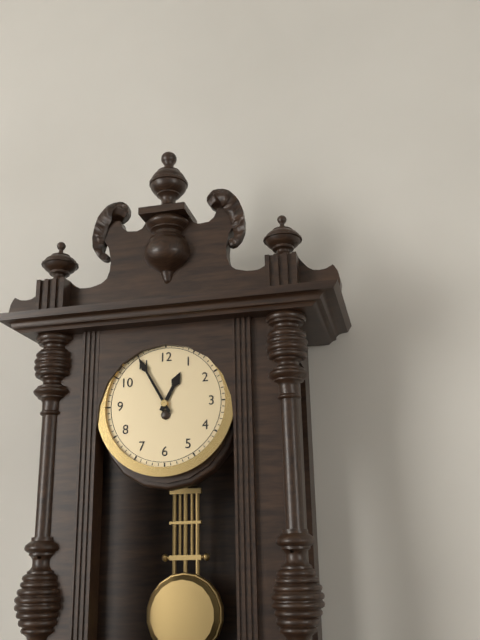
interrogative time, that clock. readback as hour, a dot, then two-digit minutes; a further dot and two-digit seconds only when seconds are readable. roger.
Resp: 12.55
